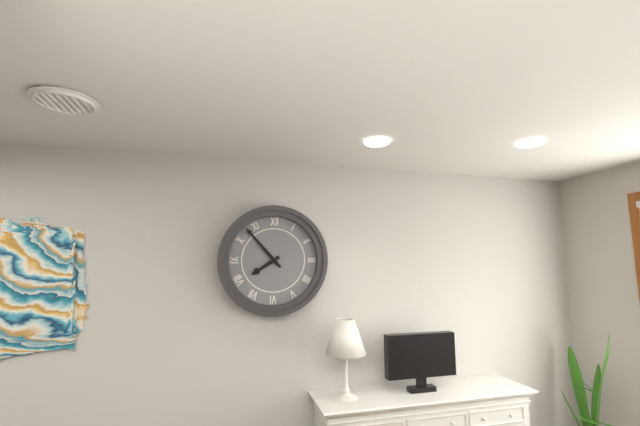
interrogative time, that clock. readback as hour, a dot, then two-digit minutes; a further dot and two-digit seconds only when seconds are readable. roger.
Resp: 7.53
